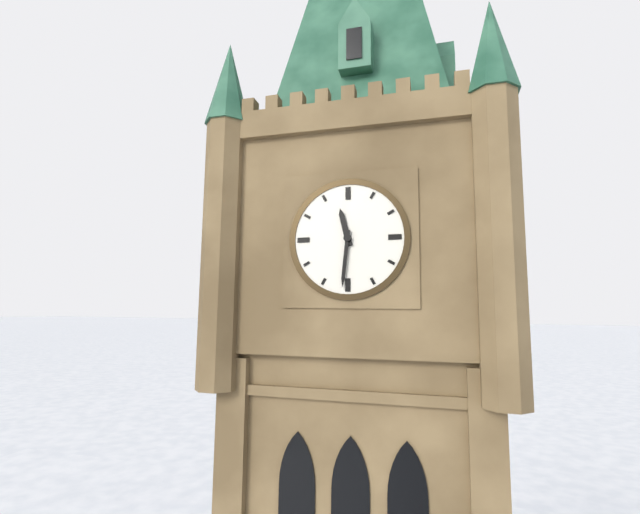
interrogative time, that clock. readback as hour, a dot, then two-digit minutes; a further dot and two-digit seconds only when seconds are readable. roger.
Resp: 11.31
